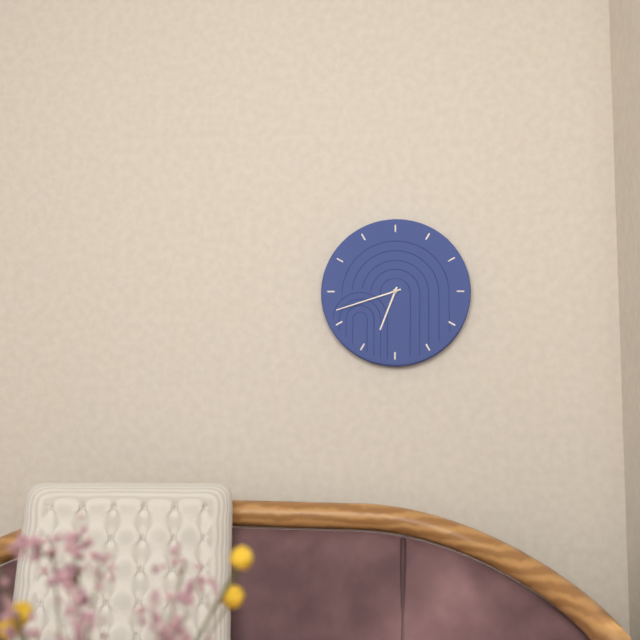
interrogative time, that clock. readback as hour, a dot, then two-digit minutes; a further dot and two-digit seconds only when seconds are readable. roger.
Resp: 6.42
